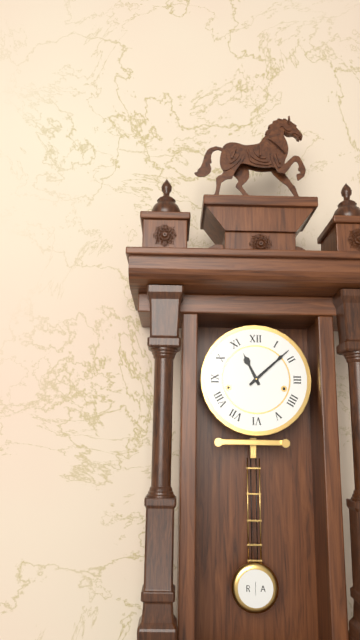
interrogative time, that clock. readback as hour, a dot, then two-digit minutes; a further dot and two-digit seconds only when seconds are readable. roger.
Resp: 11.08
